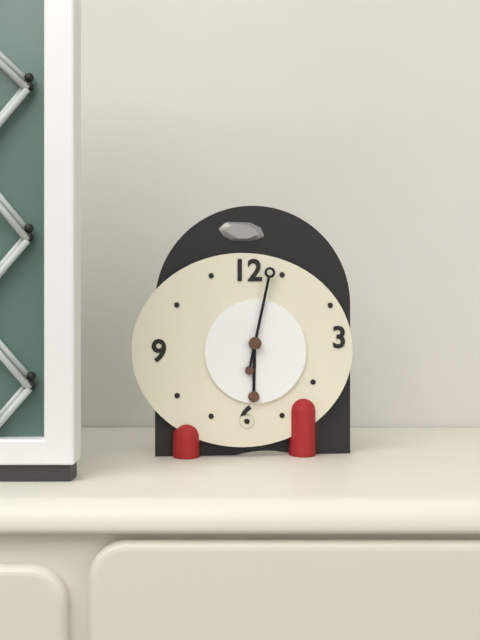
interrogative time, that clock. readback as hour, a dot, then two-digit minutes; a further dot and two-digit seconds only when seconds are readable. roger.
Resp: 6.02
